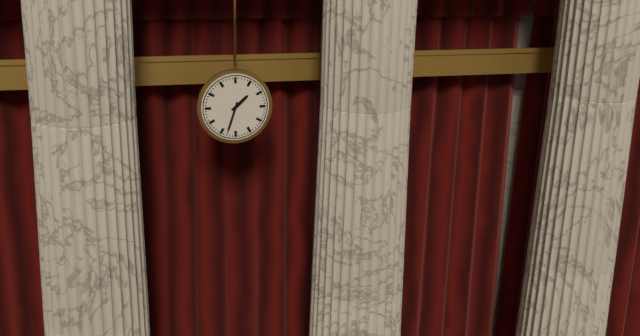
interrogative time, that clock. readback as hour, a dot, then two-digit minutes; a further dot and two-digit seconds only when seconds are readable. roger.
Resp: 1.33
